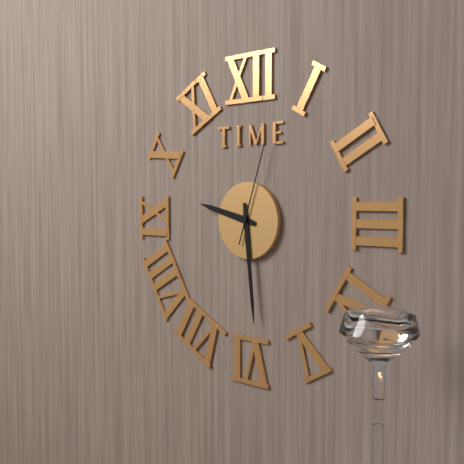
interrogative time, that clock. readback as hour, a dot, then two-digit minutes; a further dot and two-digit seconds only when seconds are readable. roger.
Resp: 9.29.03
